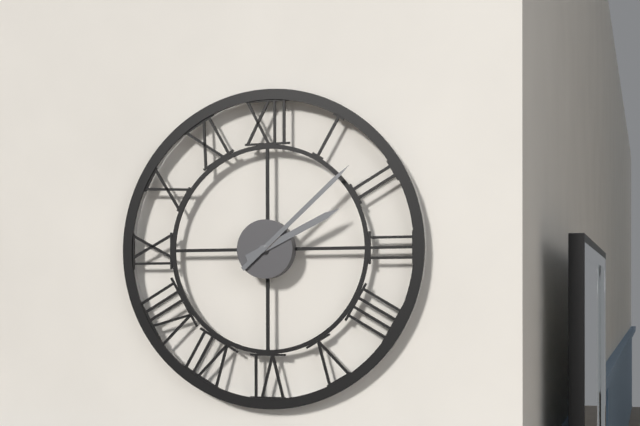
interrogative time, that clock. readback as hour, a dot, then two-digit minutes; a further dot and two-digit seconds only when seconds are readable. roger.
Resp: 2.08
